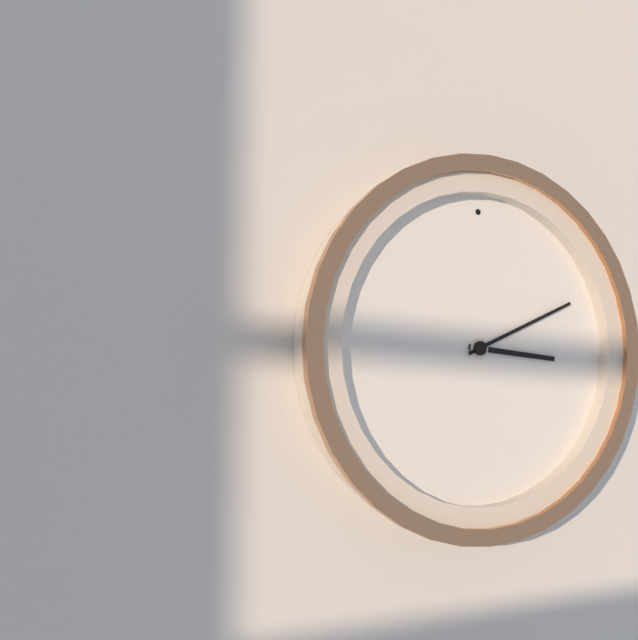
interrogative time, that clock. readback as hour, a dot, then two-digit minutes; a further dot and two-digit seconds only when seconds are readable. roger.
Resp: 3.11
